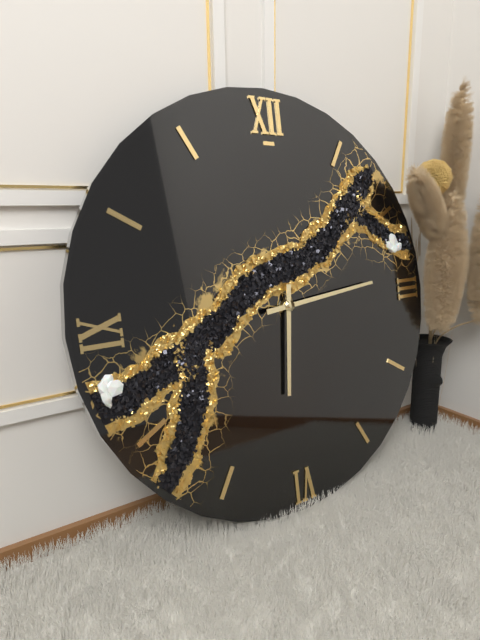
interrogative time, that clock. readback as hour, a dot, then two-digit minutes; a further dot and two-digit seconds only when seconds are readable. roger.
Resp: 6.14
